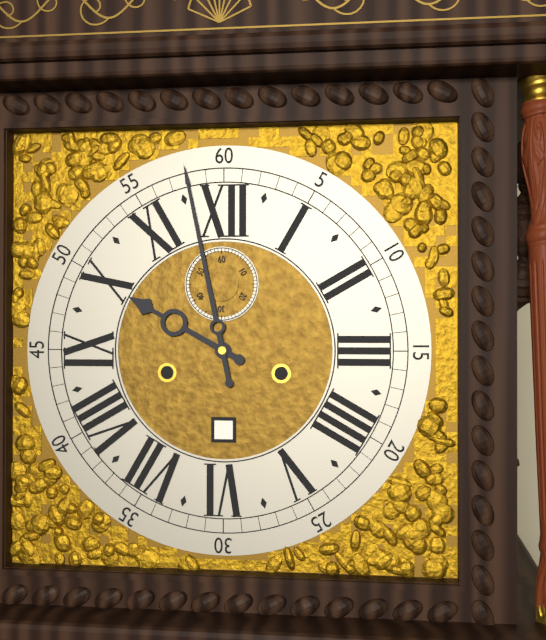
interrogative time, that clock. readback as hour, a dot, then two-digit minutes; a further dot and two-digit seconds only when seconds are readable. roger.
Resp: 9.58
